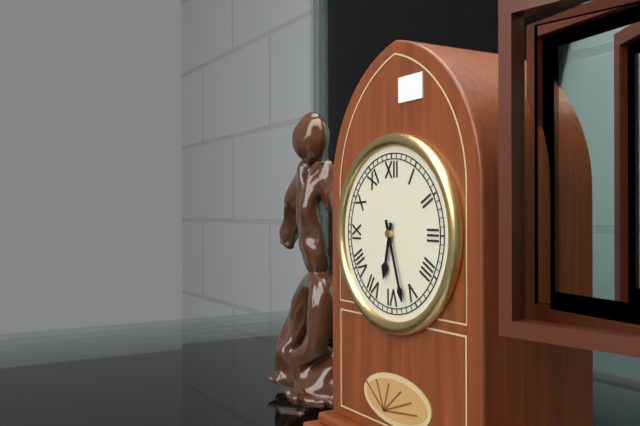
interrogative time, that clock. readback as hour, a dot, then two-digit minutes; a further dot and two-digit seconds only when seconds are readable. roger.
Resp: 6.27
